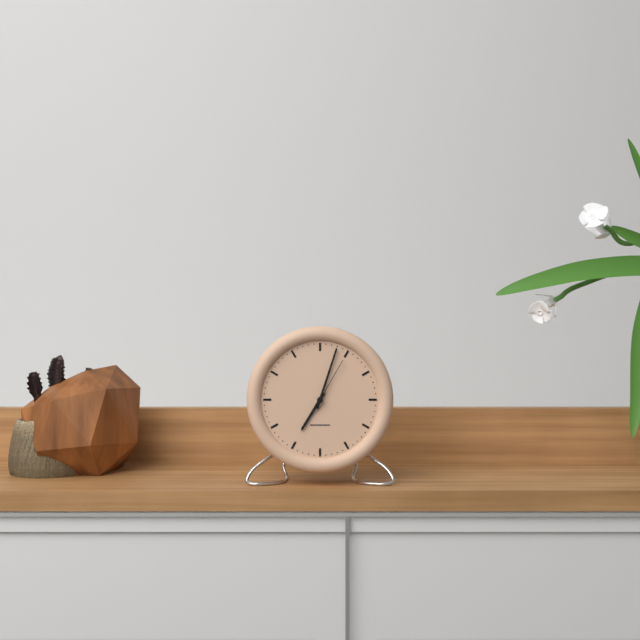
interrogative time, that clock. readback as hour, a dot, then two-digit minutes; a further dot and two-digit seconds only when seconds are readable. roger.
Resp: 7.03.05
